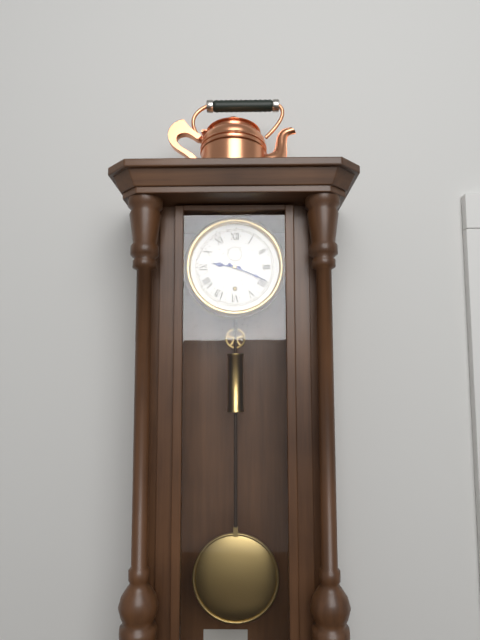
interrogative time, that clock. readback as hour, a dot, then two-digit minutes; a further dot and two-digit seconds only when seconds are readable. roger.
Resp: 9.19
